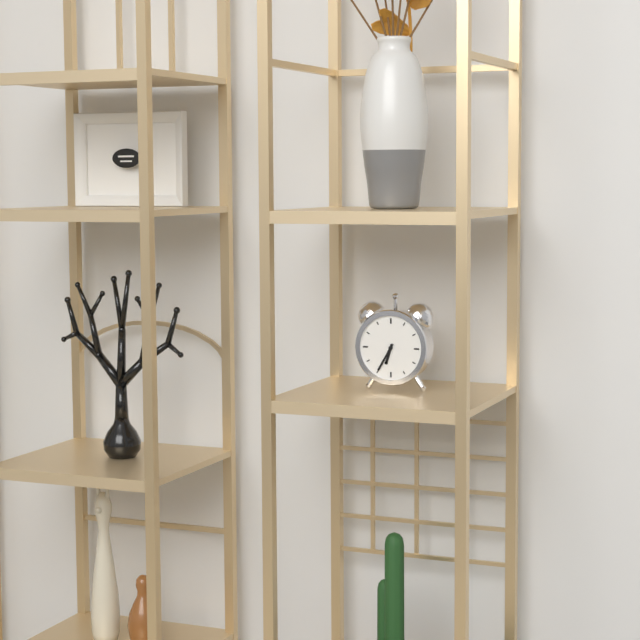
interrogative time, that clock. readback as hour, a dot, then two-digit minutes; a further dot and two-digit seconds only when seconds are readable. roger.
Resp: 6.35
